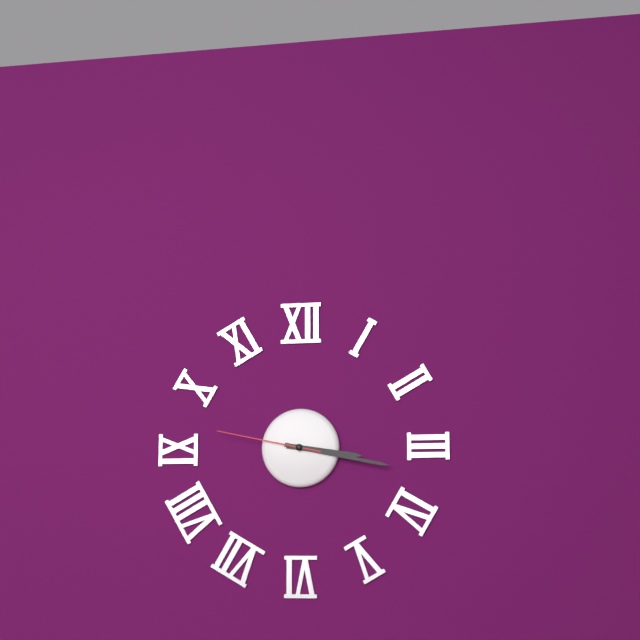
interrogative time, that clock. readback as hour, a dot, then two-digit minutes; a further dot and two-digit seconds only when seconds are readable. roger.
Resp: 3.17.47
